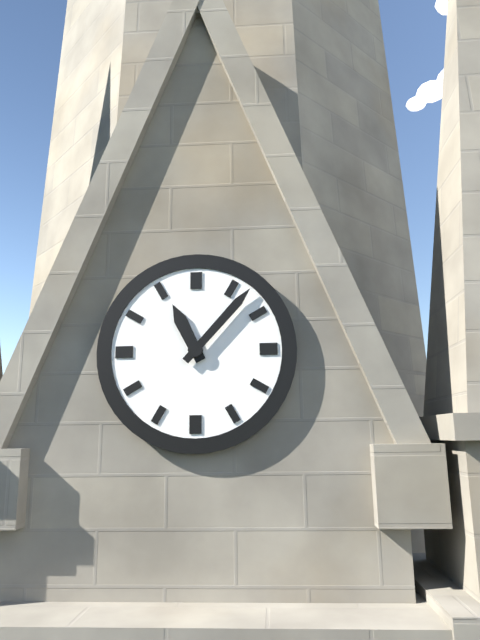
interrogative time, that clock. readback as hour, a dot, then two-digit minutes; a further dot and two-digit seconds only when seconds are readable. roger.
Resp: 11.07
